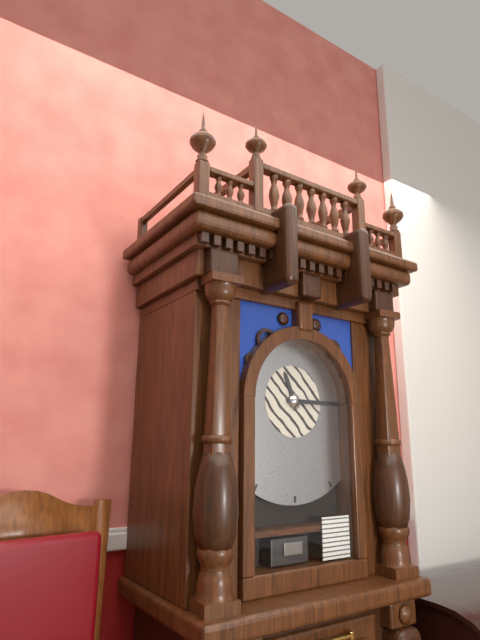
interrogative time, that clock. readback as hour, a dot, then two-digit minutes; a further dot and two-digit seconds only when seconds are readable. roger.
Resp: 11.15
